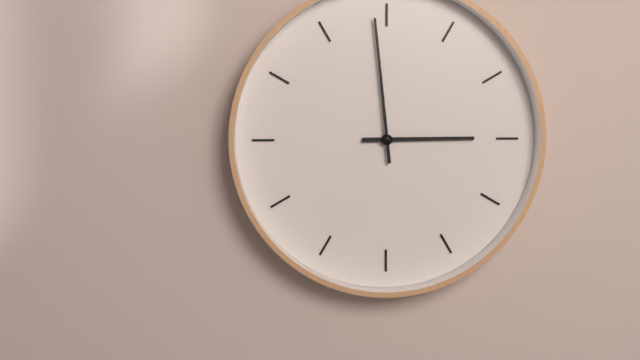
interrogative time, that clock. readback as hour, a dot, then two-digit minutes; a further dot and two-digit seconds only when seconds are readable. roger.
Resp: 2.59
